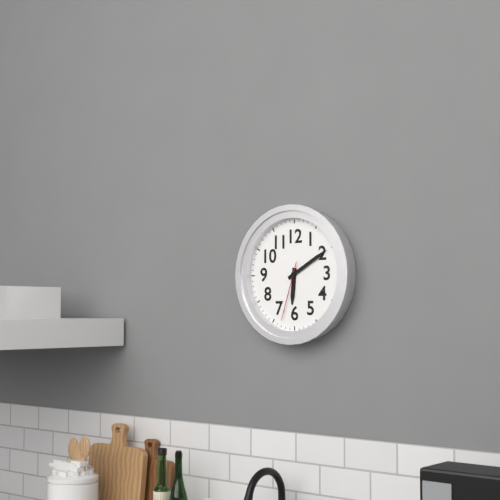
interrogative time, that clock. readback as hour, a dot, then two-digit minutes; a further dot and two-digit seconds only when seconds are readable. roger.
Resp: 6.10.33
